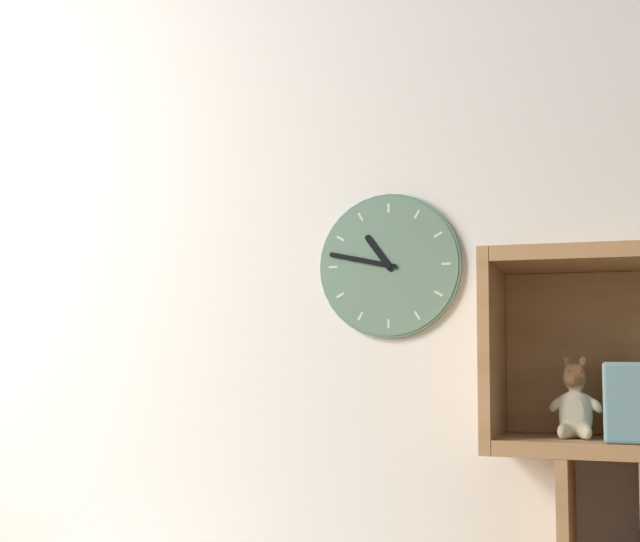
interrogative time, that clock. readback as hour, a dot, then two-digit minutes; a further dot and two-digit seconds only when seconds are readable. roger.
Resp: 10.47
